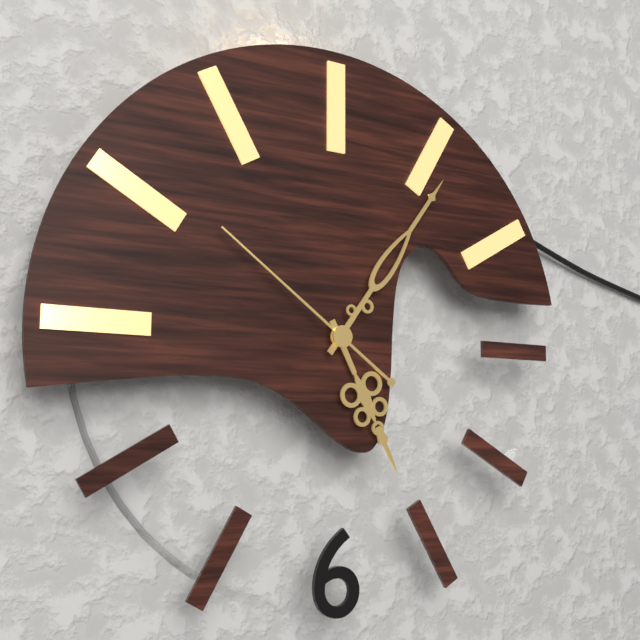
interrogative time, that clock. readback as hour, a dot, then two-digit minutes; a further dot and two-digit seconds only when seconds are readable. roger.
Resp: 5.06.51
